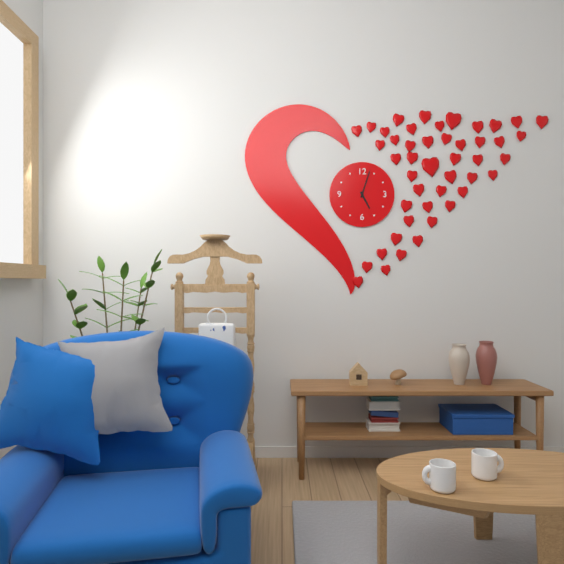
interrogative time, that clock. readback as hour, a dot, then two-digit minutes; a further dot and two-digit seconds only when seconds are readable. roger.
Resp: 5.03
